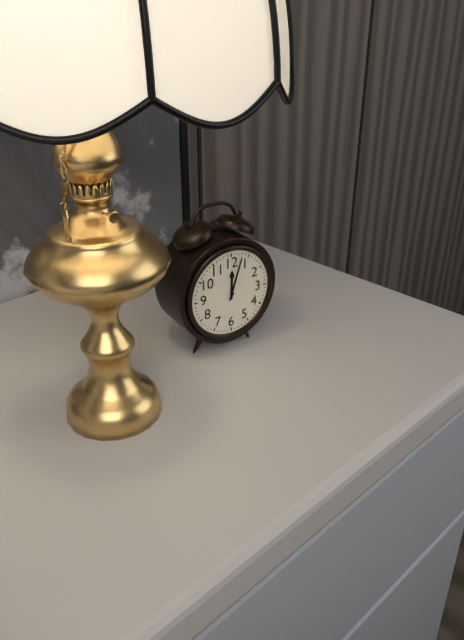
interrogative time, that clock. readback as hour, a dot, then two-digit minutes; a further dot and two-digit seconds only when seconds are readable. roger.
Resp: 12.03
